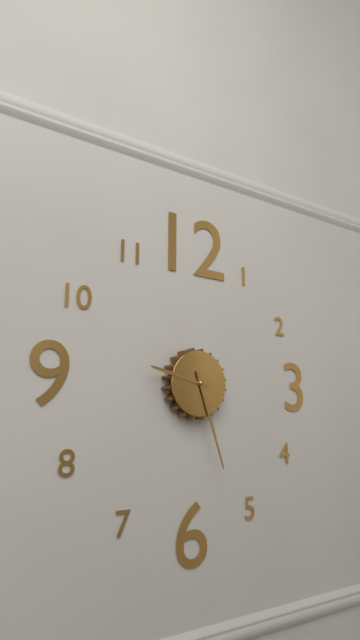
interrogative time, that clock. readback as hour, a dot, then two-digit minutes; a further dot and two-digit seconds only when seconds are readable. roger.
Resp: 9.27
